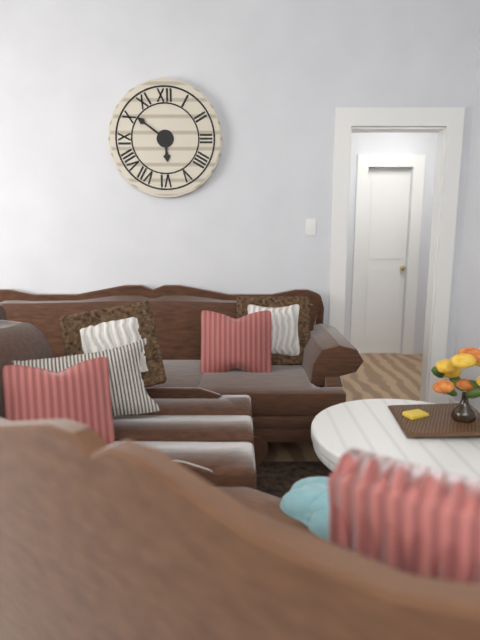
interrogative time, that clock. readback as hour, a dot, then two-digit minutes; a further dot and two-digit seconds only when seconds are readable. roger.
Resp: 5.51
